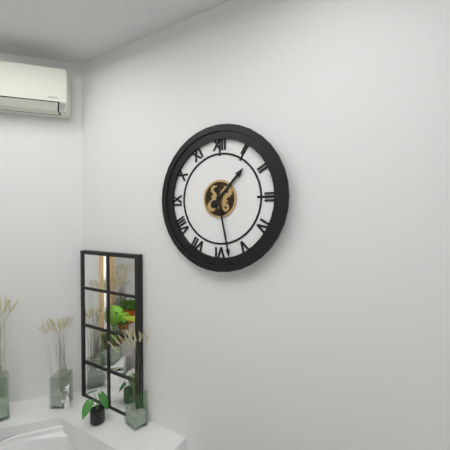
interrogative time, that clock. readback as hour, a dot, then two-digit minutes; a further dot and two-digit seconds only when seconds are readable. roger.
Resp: 1.28
